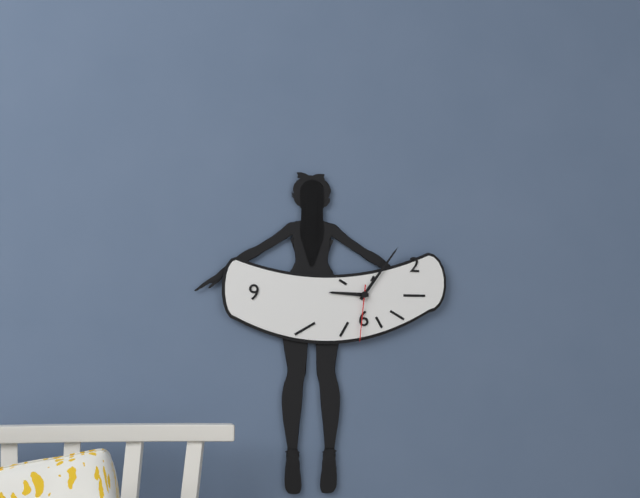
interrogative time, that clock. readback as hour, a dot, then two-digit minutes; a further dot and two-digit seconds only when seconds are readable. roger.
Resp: 9.06.31
